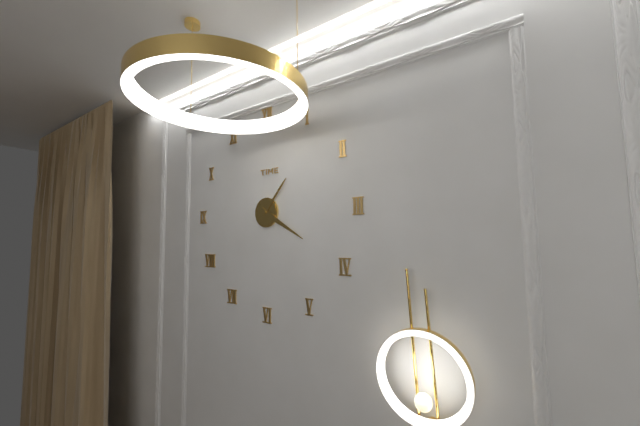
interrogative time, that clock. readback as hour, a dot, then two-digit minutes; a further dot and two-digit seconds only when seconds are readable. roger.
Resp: 1.20
